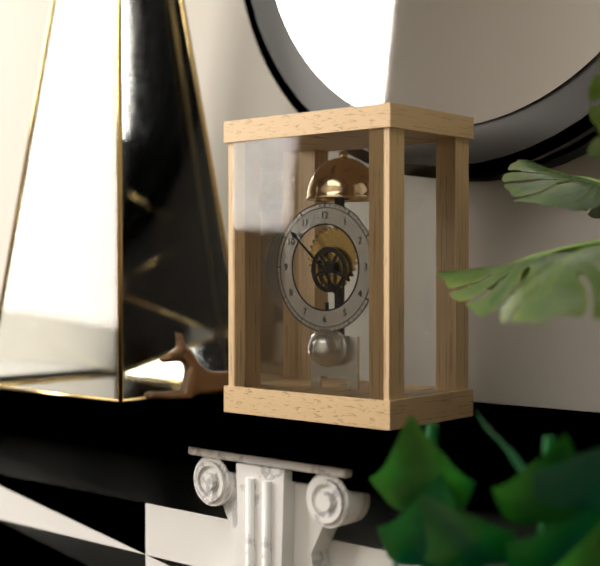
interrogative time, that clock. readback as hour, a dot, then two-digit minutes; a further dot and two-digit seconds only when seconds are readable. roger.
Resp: 4.52
